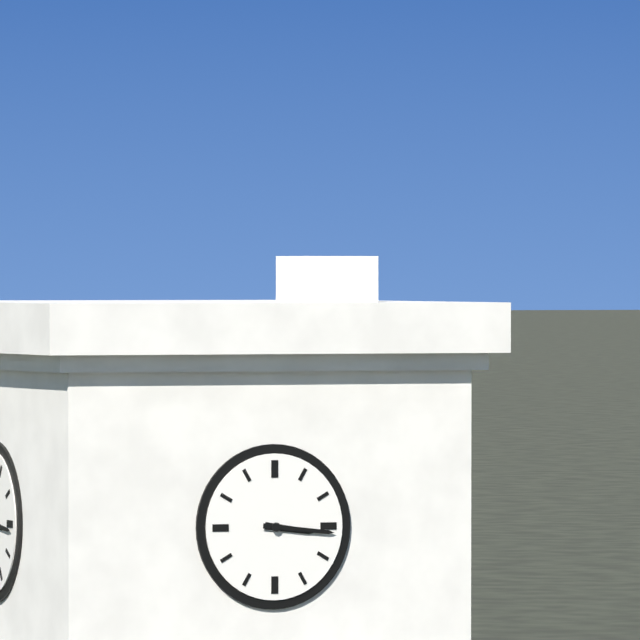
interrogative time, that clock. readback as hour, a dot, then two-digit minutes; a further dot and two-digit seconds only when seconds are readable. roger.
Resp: 3.16
